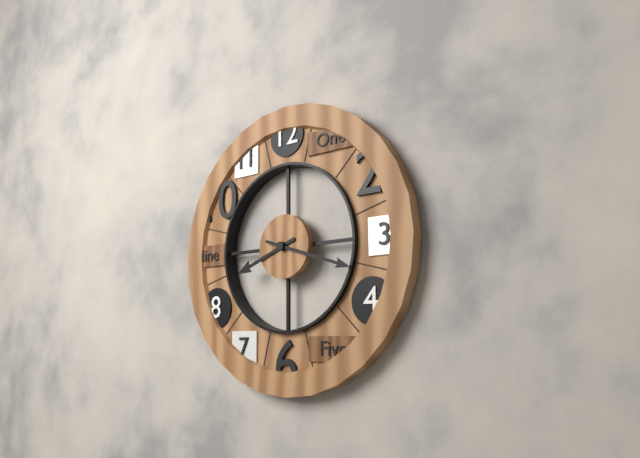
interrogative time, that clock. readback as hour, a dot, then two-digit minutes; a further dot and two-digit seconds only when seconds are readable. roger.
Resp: 8.18
